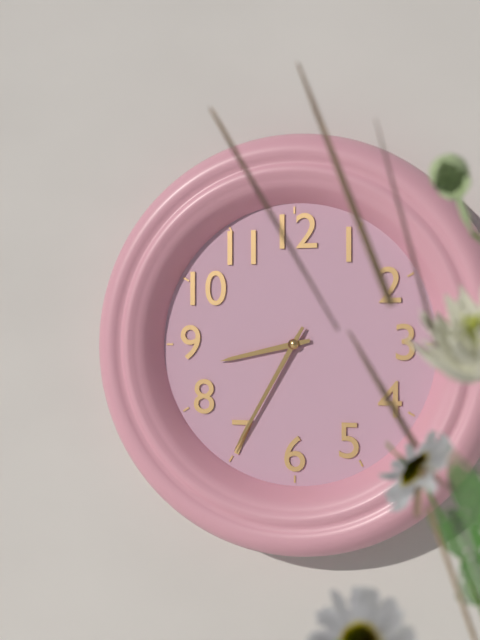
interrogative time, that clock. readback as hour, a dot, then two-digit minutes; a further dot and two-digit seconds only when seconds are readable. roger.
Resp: 8.35
